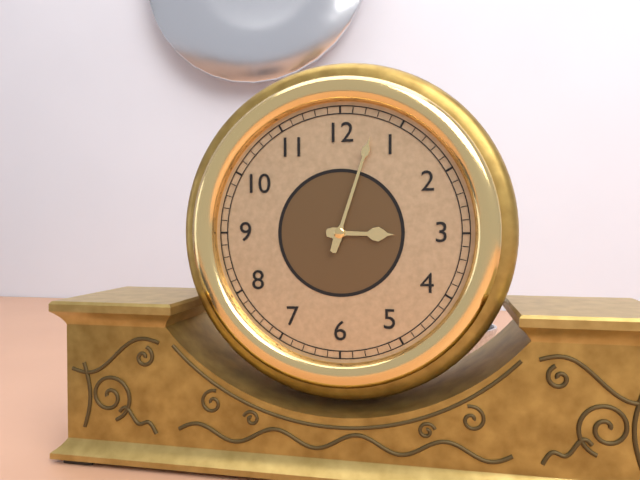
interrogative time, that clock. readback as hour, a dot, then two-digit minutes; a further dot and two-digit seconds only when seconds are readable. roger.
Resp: 3.03
